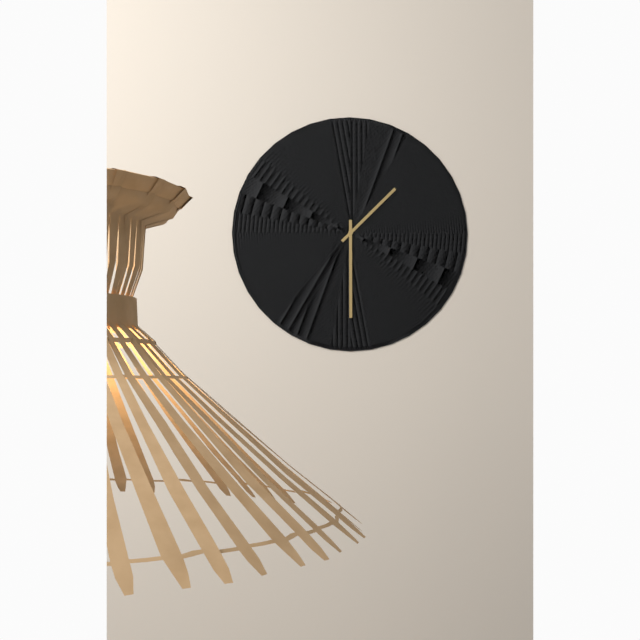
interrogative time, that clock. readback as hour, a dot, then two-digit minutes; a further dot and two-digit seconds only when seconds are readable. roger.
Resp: 1.30
